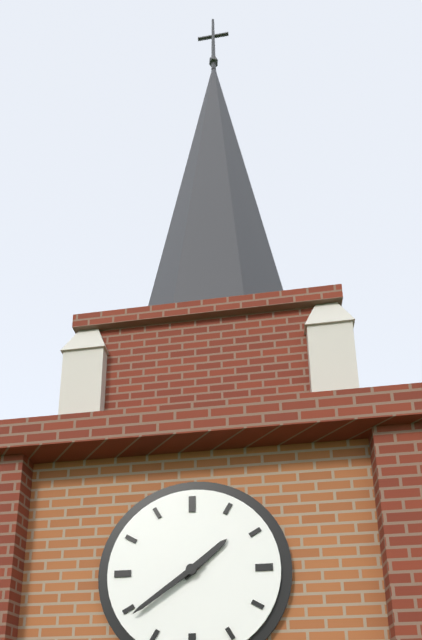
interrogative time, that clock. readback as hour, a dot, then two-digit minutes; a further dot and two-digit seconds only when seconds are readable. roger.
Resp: 1.39
